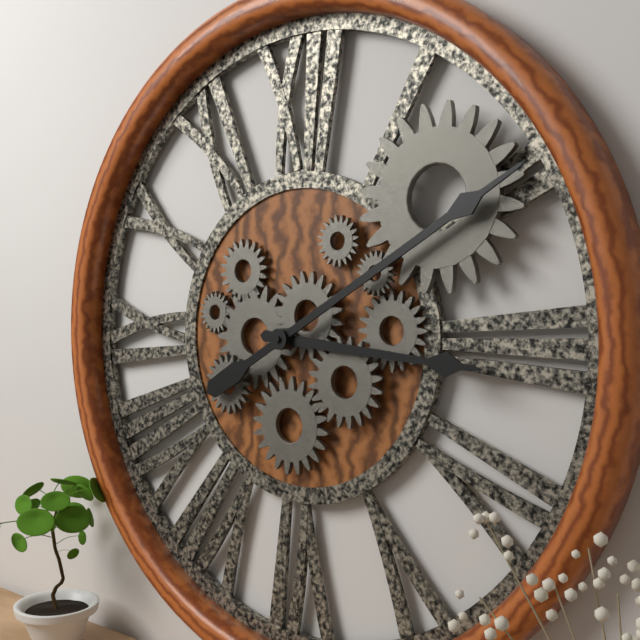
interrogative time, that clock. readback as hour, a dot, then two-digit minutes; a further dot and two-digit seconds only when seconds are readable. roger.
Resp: 3.10
